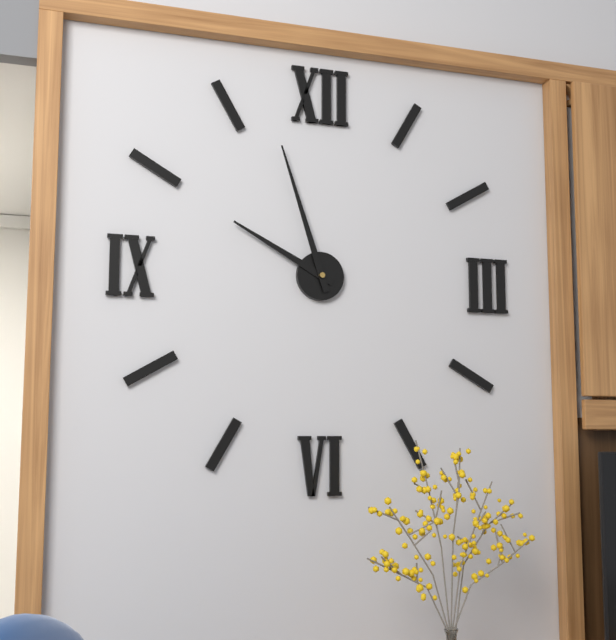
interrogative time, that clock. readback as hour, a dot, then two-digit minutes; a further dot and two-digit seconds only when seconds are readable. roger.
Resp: 9.57
